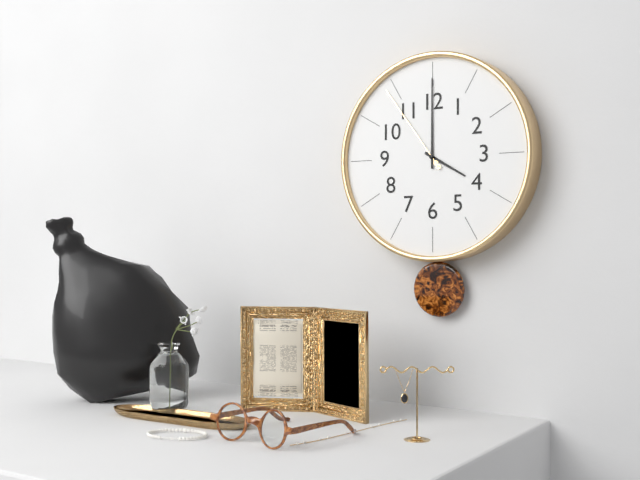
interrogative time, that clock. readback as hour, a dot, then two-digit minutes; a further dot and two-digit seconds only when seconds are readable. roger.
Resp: 4.00.54
